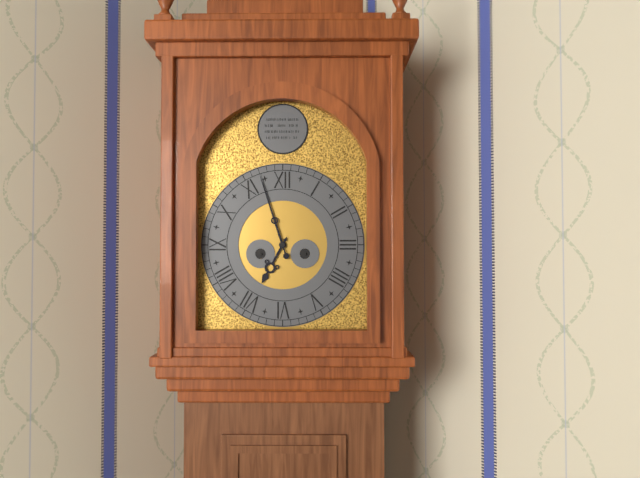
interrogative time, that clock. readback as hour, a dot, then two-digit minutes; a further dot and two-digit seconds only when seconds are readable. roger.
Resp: 6.57
